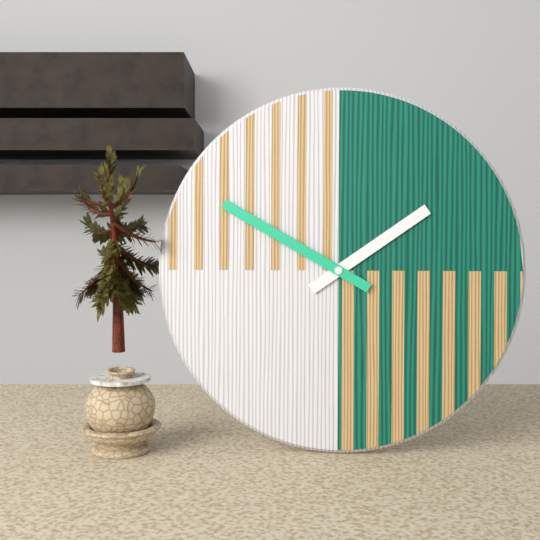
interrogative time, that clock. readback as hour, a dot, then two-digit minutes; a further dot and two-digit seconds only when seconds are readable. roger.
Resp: 1.50
